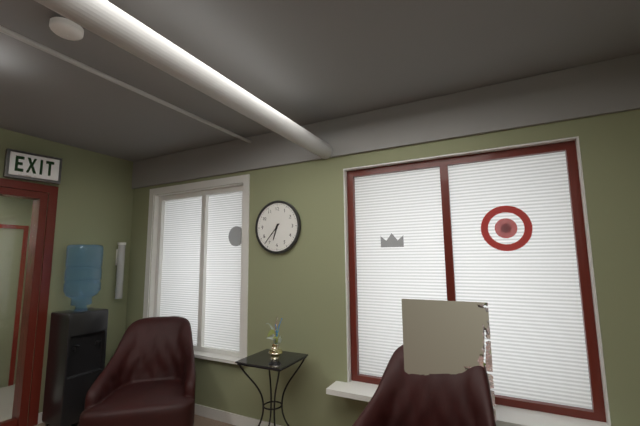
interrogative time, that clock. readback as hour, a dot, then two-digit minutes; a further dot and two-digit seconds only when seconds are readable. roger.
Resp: 6.37
